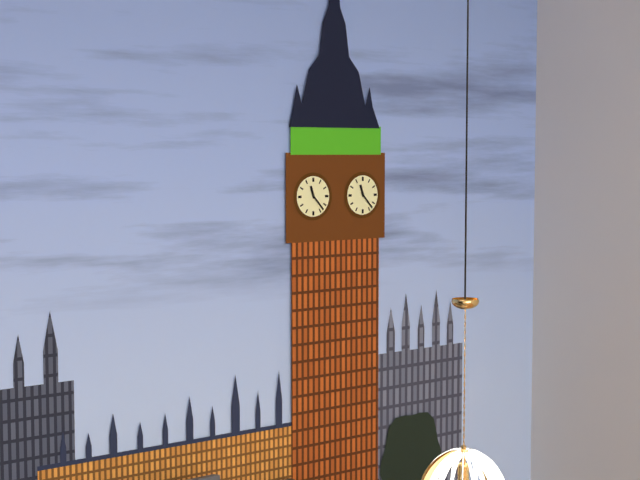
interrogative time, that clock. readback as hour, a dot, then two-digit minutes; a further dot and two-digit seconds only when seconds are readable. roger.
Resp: 11.23
